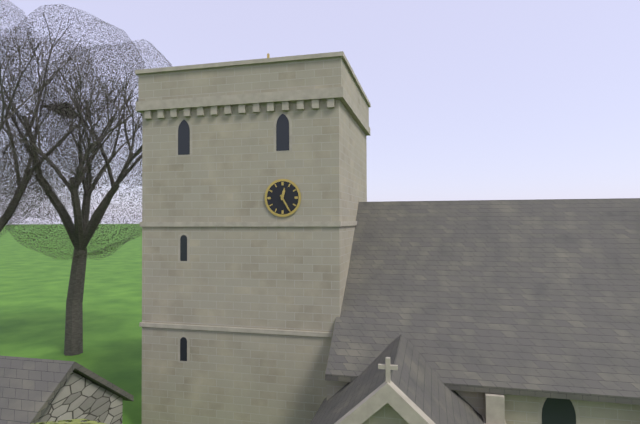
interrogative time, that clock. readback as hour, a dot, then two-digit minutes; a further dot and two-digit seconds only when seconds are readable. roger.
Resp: 12.25
